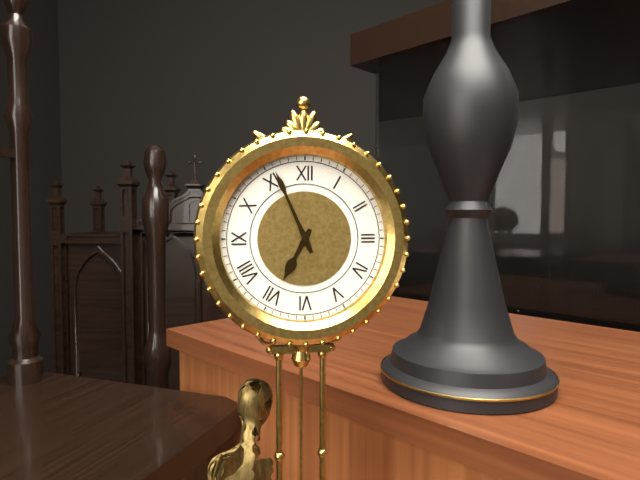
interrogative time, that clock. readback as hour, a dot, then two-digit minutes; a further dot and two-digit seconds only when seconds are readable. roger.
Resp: 6.56
